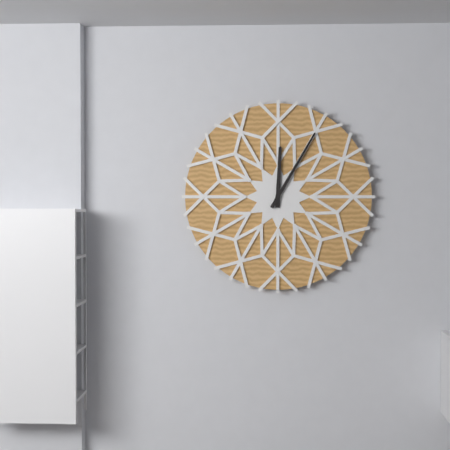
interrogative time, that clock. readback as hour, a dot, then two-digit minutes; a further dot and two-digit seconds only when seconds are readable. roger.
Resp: 12.05
